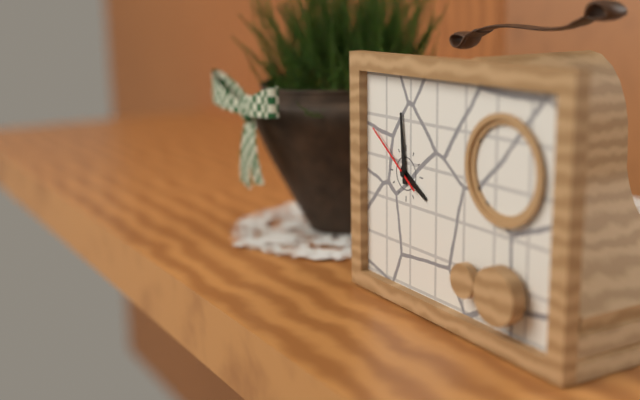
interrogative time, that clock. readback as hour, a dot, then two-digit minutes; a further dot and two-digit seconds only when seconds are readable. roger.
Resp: 3.59.51
